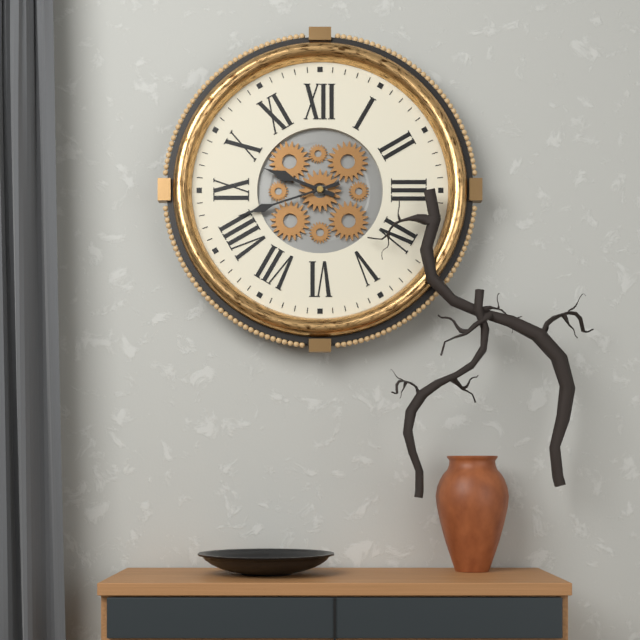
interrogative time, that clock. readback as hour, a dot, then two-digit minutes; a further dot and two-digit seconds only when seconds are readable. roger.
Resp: 9.42
